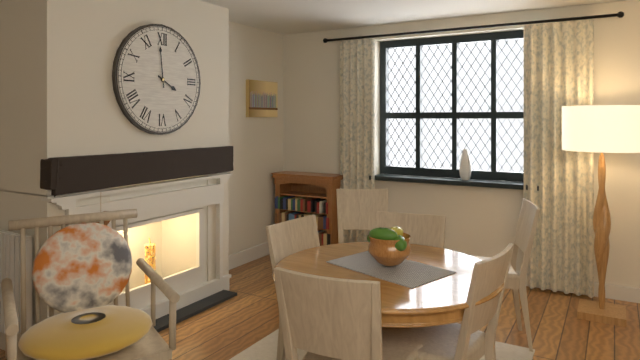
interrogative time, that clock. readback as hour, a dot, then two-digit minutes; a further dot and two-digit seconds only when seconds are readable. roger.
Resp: 3.59
